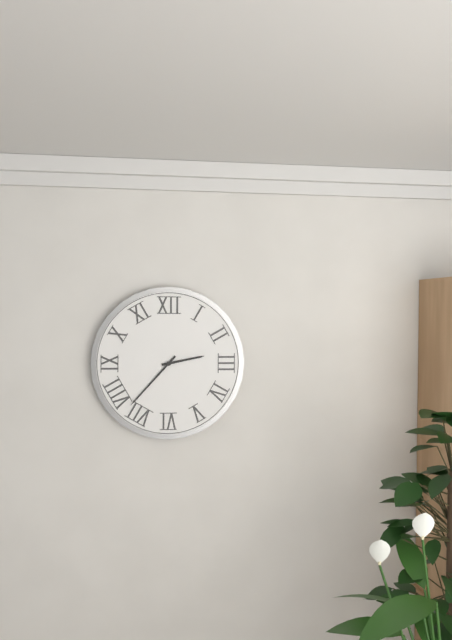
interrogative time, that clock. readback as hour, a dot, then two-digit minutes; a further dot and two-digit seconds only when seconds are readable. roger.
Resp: 2.37
